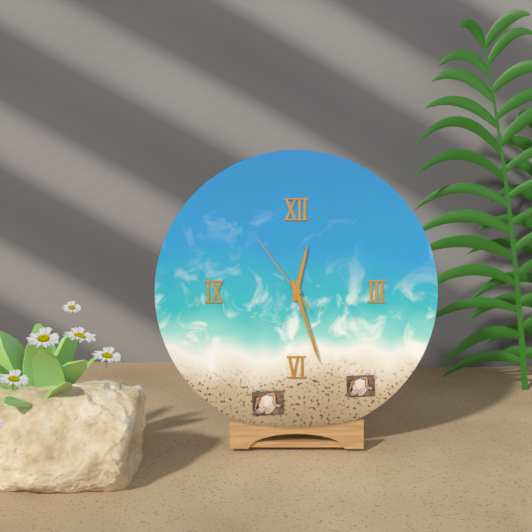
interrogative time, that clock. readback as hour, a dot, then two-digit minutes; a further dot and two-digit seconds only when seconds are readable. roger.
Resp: 12.27.54
